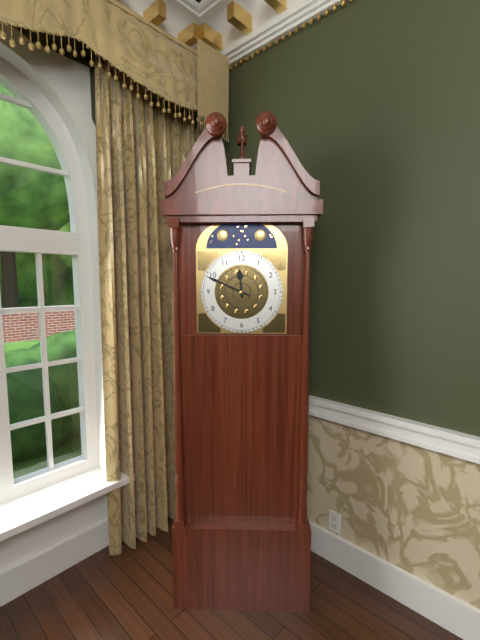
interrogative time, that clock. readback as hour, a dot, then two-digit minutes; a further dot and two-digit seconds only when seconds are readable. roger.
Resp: 11.49
